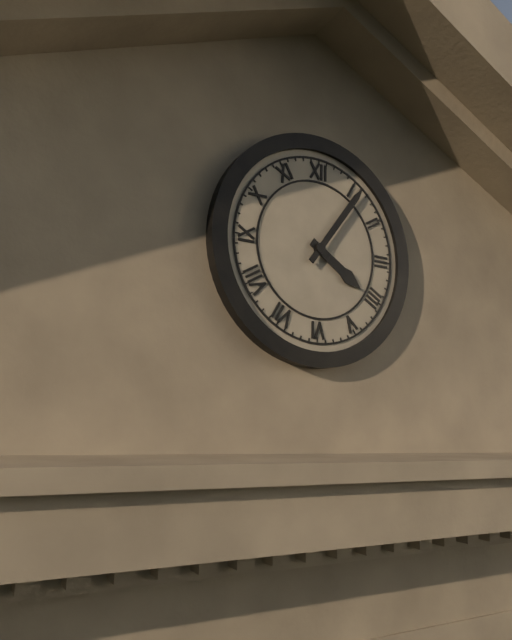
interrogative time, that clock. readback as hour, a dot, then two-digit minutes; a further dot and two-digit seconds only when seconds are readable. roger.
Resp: 4.06
